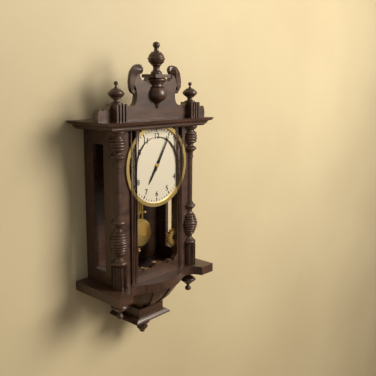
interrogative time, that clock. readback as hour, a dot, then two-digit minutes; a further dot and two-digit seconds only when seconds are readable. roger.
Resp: 7.05
